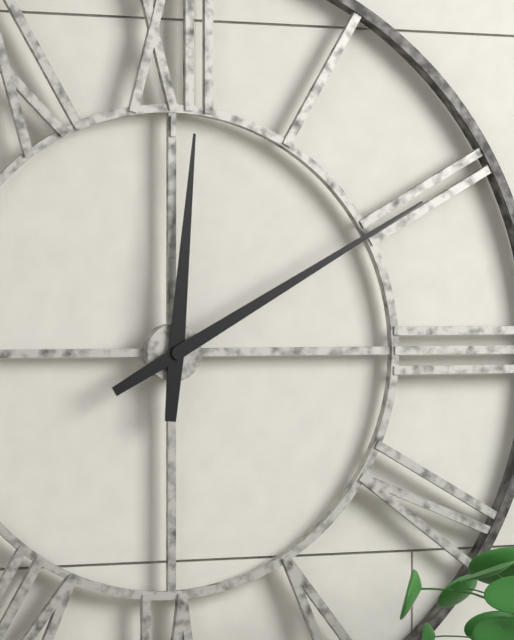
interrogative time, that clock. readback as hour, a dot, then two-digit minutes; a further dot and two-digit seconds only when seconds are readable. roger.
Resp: 12.10
